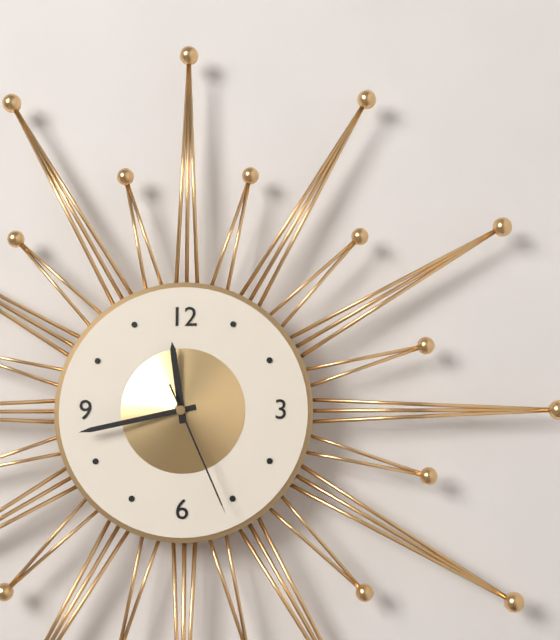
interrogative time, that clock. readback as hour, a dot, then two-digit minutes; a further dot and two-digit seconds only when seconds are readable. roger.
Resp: 11.43.26
